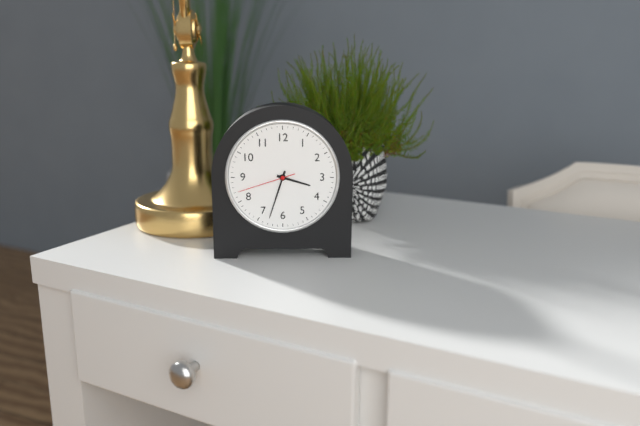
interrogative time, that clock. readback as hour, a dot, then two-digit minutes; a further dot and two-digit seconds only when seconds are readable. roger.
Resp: 3.33.42
